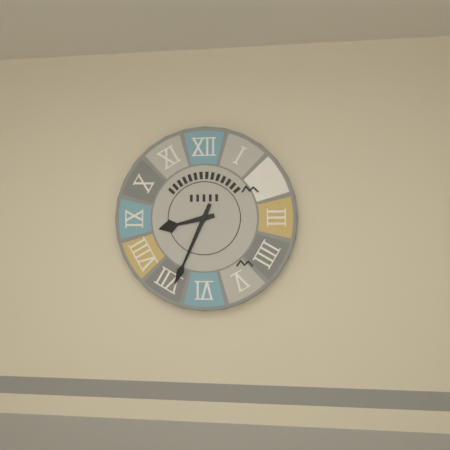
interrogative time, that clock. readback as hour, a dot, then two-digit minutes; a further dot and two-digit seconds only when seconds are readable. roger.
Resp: 8.34
